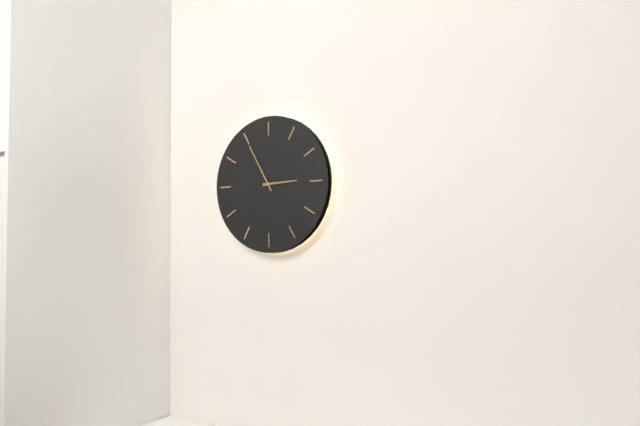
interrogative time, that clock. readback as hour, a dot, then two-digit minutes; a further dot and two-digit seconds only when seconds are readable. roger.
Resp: 2.55
